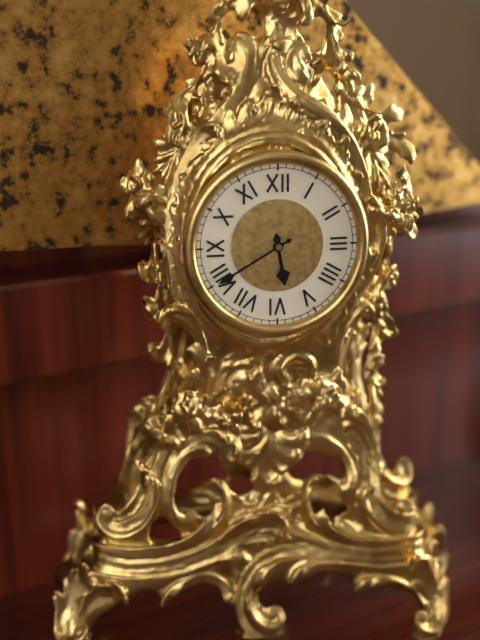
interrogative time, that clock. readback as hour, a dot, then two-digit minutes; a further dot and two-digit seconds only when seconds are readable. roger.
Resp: 5.40
